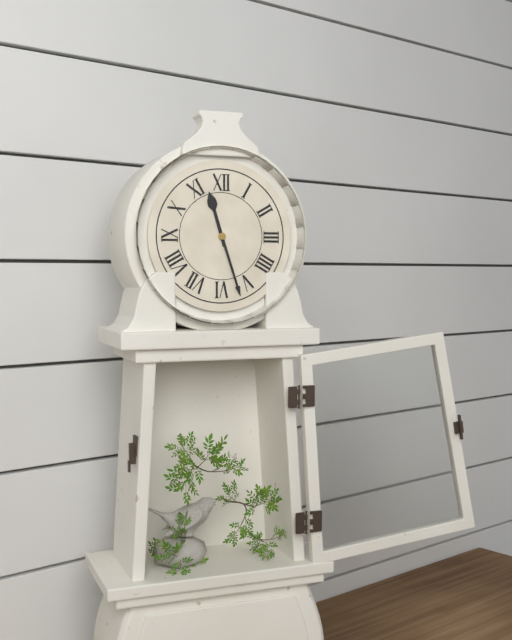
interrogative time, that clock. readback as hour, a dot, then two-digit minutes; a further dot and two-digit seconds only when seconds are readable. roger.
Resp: 11.27
